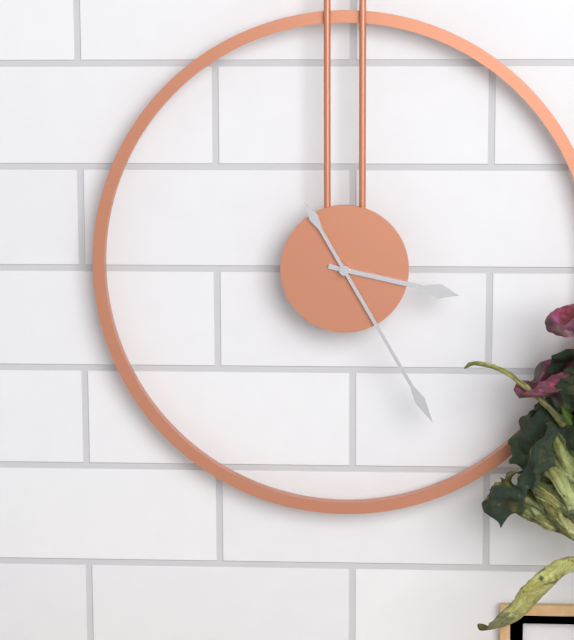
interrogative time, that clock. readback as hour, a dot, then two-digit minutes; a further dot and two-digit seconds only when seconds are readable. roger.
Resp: 3.25
